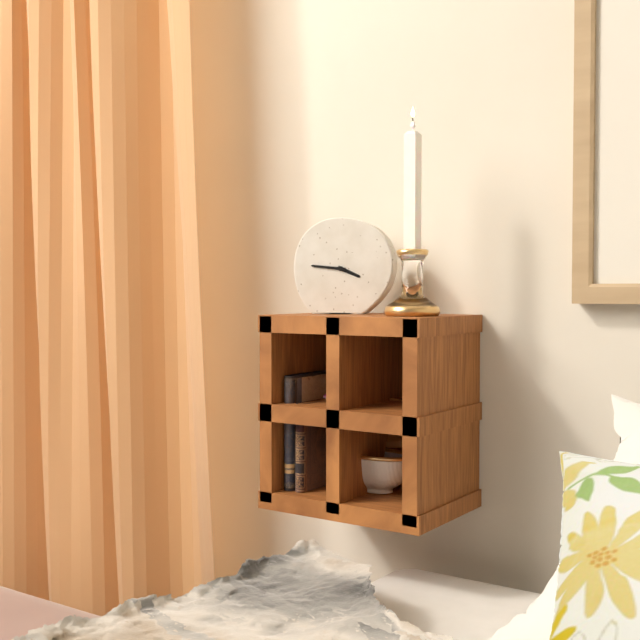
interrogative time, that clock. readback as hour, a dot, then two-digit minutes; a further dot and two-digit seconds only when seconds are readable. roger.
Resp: 3.46
